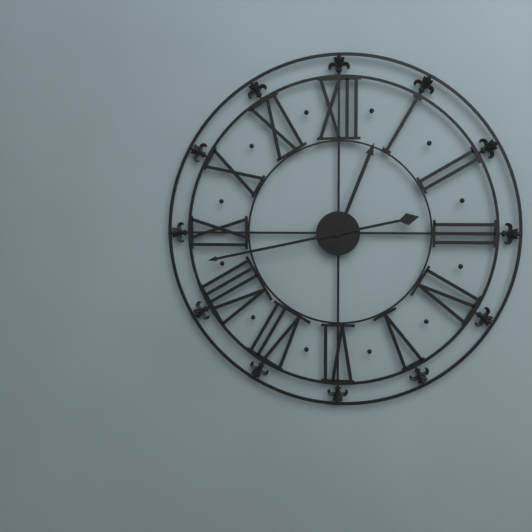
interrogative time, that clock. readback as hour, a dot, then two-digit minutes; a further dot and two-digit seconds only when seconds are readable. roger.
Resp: 12.43
